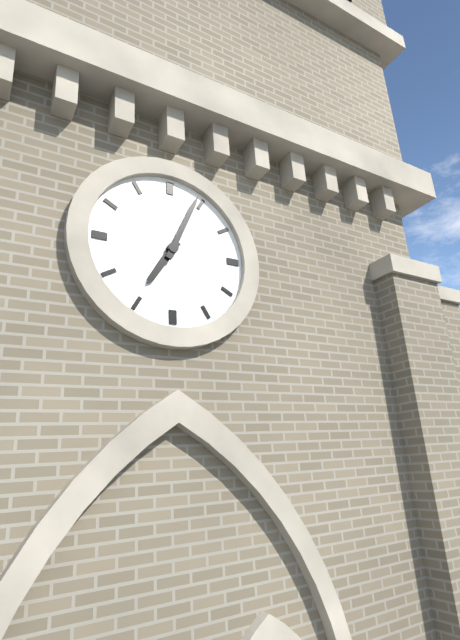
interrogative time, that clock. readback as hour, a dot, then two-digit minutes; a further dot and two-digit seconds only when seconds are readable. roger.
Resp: 7.04
